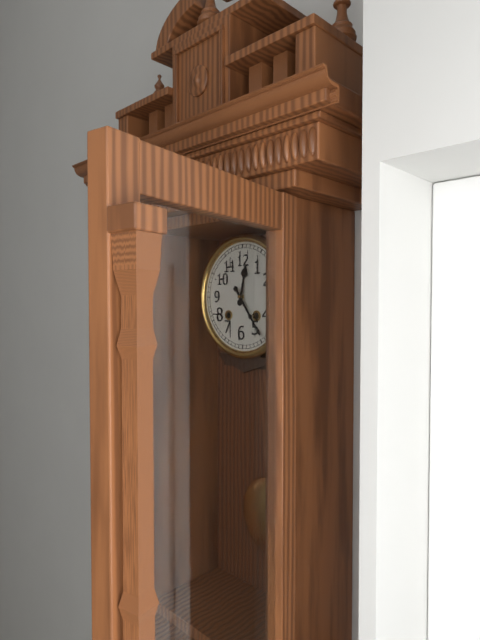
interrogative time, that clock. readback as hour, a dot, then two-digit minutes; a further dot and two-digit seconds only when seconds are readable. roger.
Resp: 12.24
